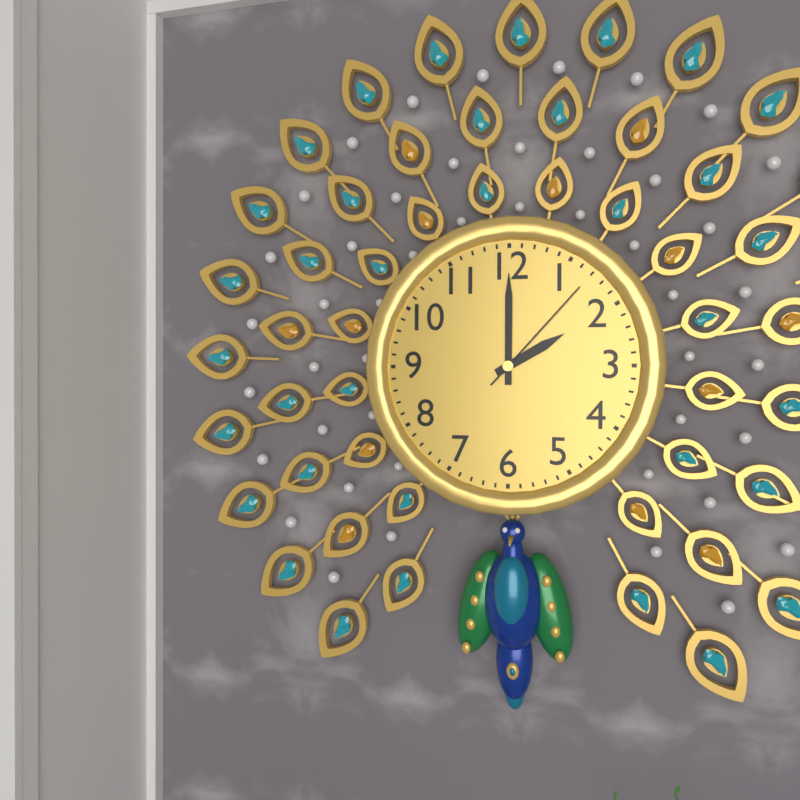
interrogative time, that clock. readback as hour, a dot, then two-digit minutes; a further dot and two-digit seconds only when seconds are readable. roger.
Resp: 2.00.07
